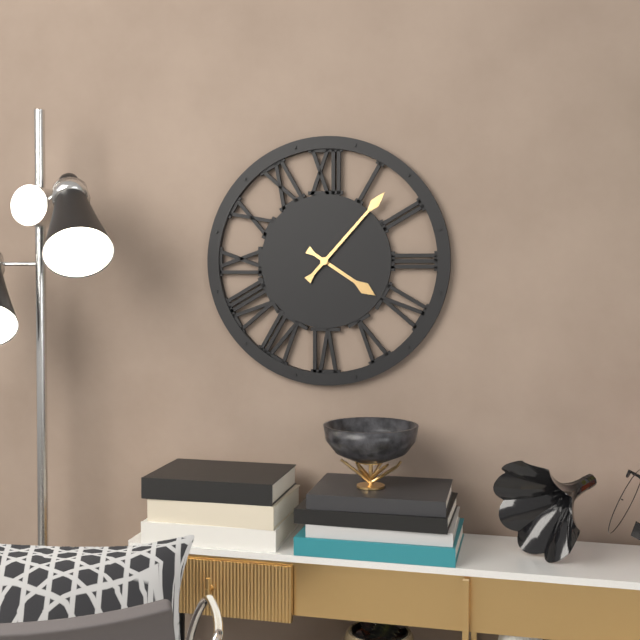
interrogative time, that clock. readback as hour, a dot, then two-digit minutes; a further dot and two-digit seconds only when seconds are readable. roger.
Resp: 4.07
